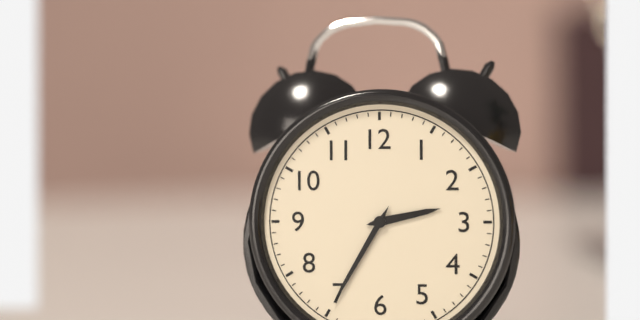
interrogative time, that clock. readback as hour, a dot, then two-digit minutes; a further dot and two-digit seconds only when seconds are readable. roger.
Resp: 2.35
